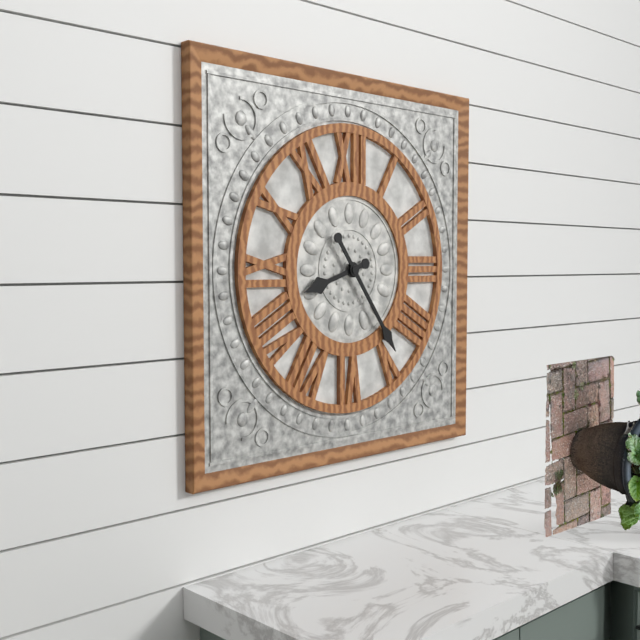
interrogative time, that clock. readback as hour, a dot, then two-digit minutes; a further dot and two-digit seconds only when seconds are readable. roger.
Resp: 8.24
